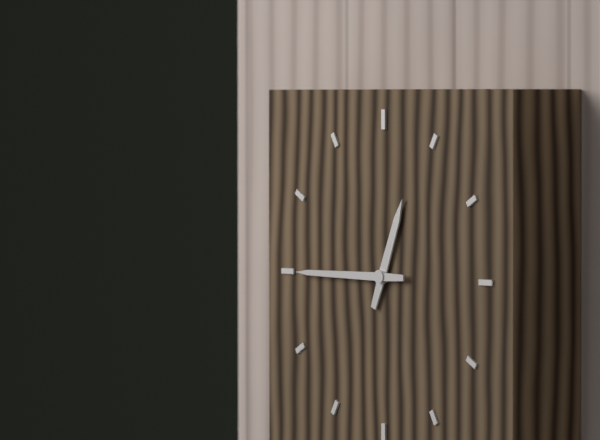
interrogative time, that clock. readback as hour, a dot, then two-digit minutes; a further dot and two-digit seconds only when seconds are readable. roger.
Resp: 12.45
